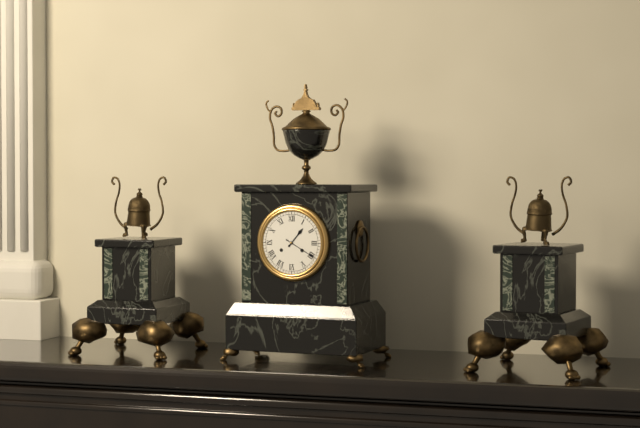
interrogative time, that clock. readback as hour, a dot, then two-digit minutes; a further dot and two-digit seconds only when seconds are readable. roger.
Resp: 1.20
